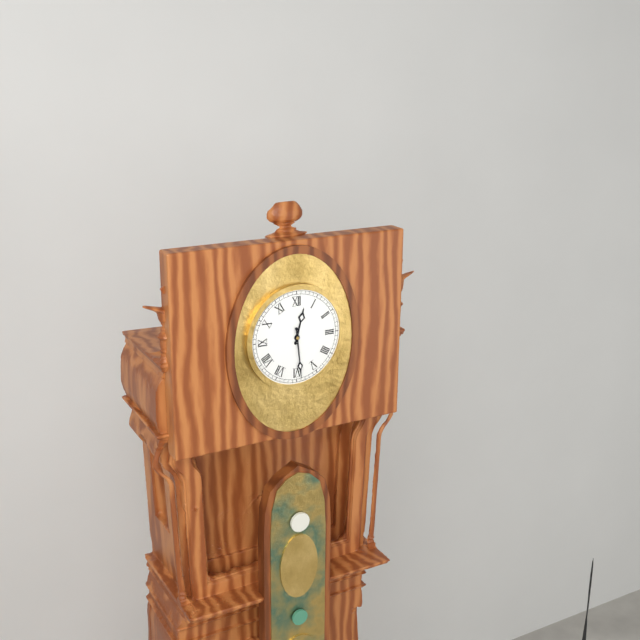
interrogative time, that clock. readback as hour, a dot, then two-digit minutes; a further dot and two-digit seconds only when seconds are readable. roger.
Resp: 12.29
